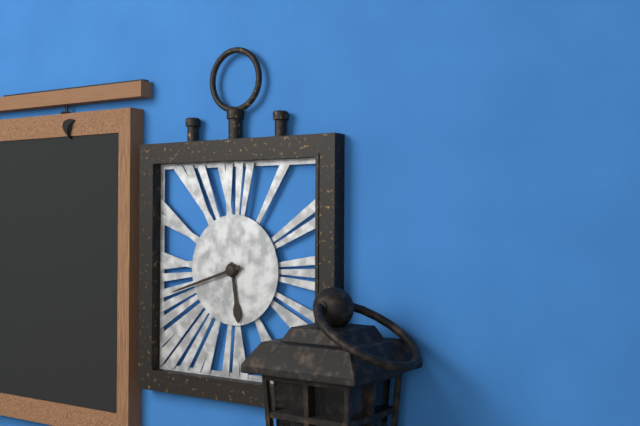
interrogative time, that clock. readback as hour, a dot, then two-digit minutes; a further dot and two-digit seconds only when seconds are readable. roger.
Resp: 5.42
